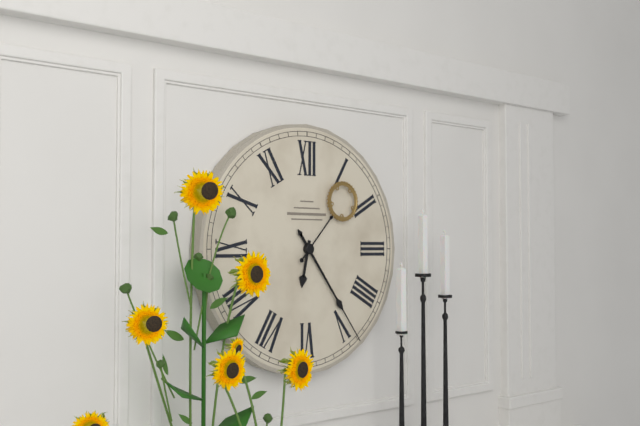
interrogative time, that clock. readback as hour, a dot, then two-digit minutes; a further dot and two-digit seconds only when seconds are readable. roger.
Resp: 6.24.07
